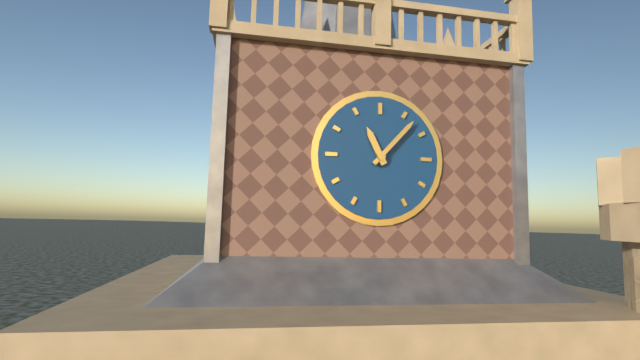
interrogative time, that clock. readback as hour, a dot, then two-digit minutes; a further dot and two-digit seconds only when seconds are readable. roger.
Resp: 11.07
